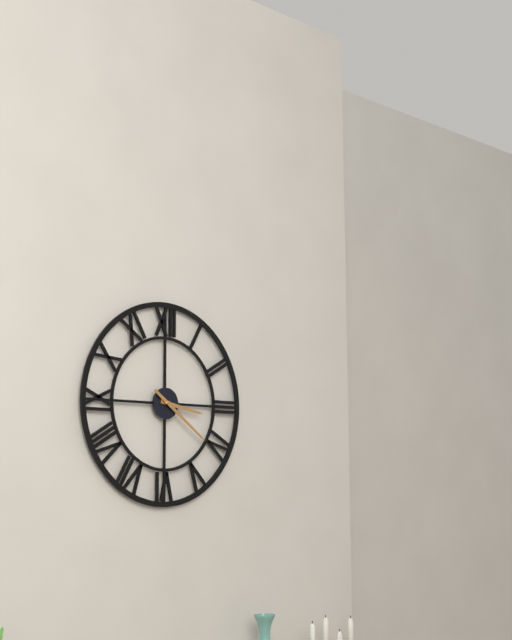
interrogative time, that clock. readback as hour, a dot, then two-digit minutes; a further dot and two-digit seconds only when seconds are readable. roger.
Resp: 3.21
